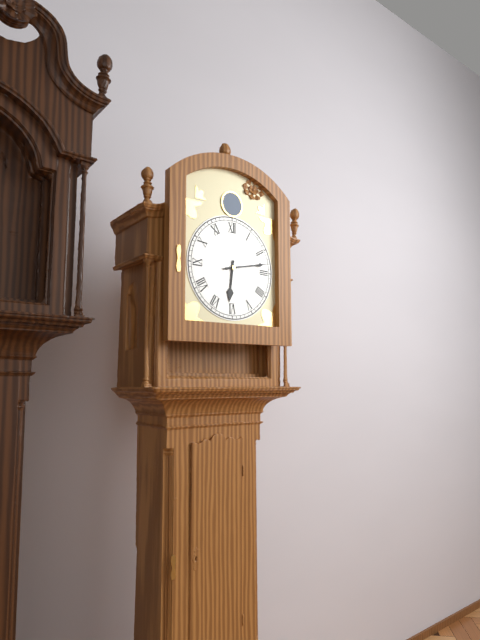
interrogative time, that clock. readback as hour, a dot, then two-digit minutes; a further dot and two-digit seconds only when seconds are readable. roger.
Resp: 6.13
